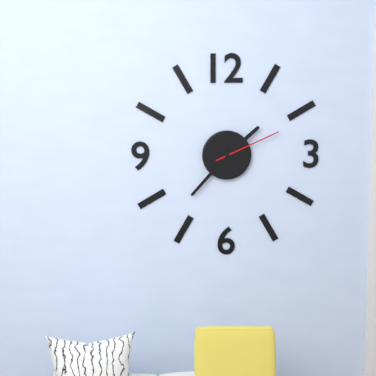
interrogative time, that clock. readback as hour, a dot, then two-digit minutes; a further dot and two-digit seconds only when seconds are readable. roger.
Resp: 1.37.11
